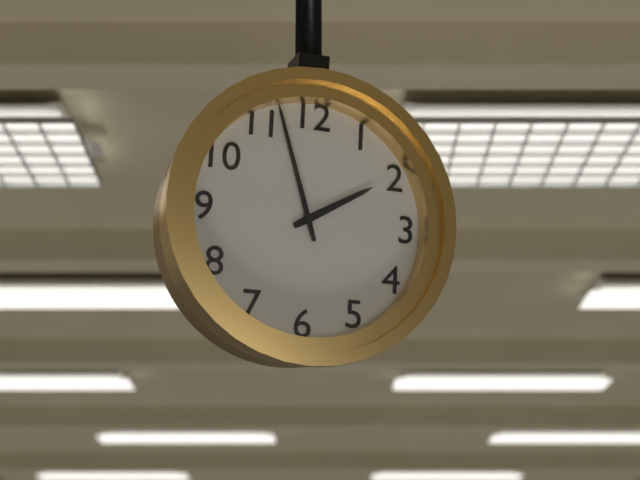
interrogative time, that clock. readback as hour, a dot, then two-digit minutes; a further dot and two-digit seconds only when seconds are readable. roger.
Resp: 1.57
